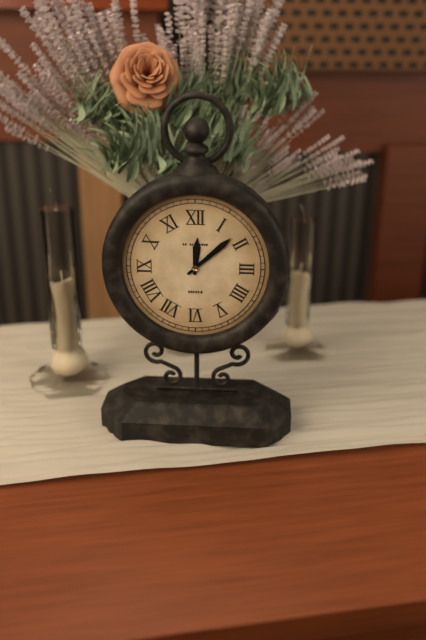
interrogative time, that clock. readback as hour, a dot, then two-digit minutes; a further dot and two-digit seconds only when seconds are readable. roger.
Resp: 12.08
